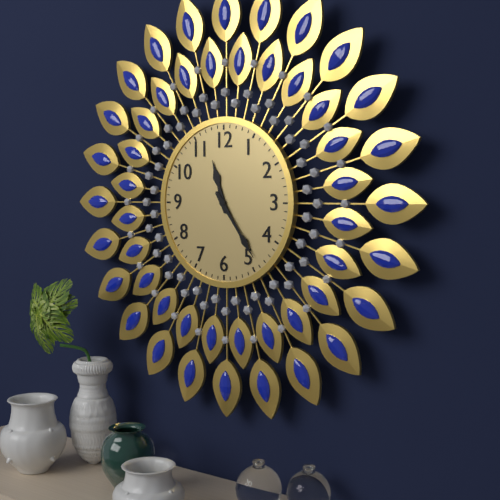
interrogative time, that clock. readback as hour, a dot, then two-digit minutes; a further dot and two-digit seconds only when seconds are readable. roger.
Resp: 11.24
